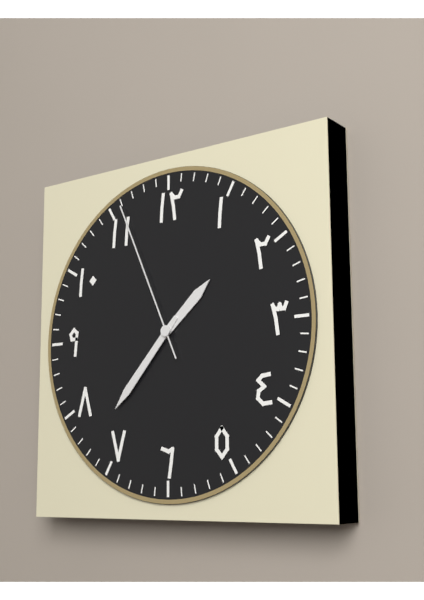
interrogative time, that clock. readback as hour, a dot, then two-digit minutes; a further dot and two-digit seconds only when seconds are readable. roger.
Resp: 1.37.56
